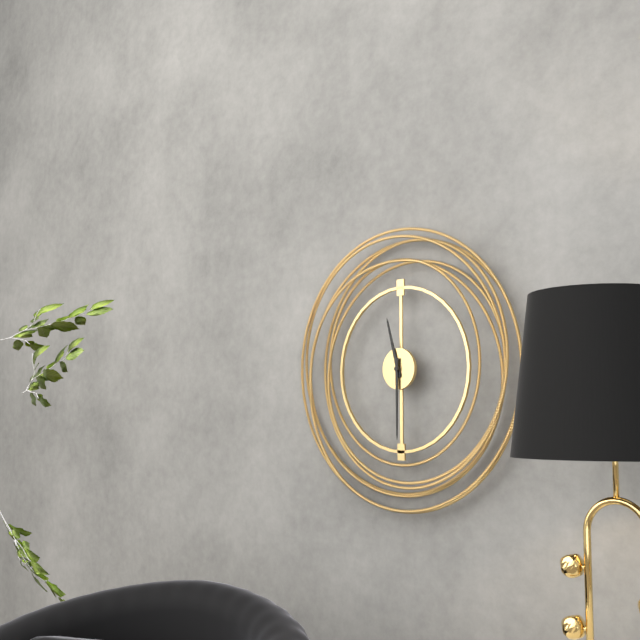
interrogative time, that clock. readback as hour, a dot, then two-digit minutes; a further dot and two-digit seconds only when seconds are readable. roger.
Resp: 11.30
